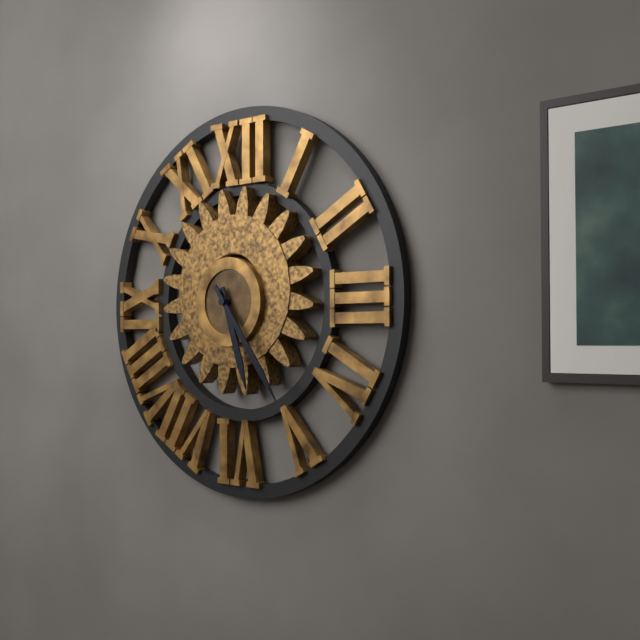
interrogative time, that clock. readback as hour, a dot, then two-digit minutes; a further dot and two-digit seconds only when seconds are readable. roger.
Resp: 5.24
